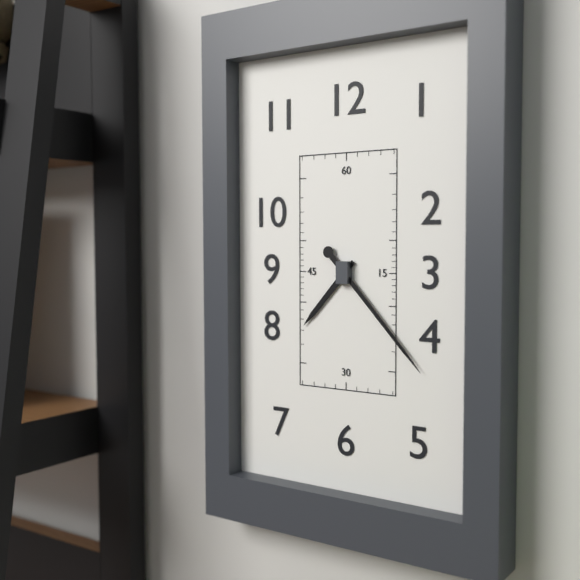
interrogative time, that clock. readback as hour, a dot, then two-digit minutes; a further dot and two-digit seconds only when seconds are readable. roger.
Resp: 7.23
